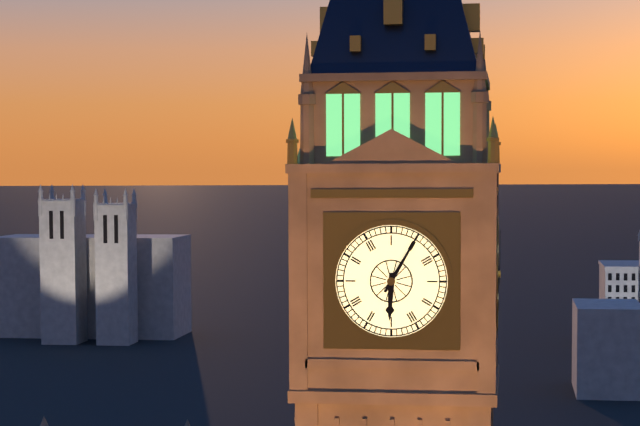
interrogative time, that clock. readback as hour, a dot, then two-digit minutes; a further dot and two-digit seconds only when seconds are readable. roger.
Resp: 6.05
